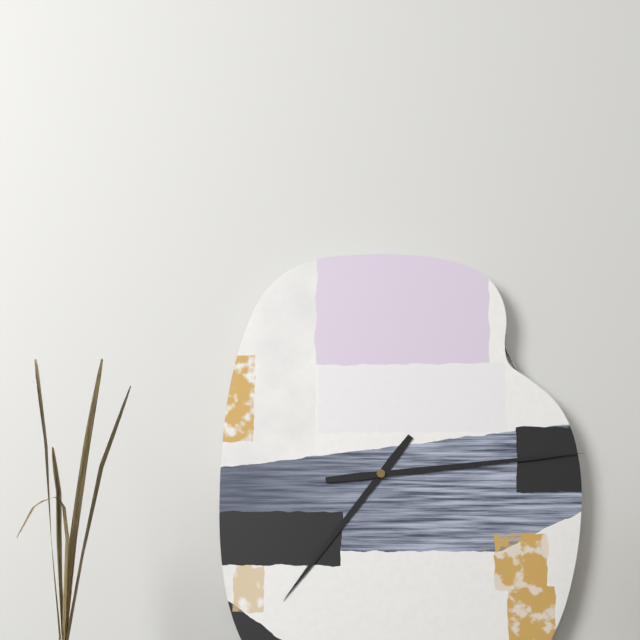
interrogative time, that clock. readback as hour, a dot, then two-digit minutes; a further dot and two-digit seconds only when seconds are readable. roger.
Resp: 7.14
